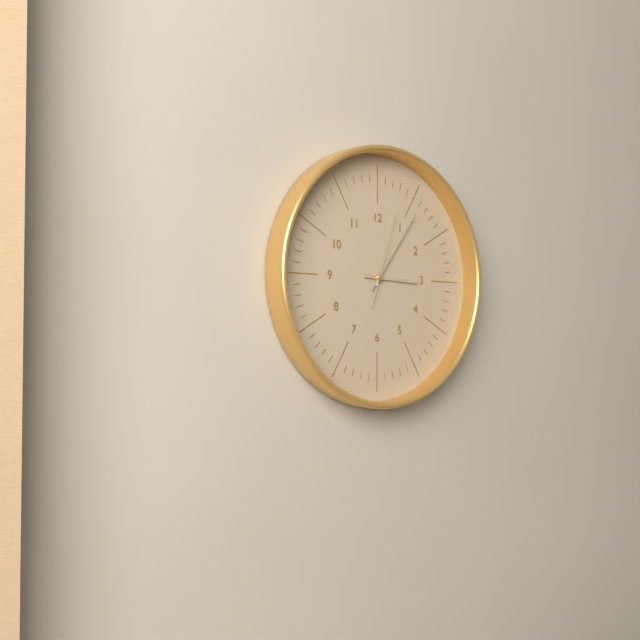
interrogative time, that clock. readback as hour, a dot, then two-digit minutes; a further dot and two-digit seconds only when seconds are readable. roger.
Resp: 3.06.03
